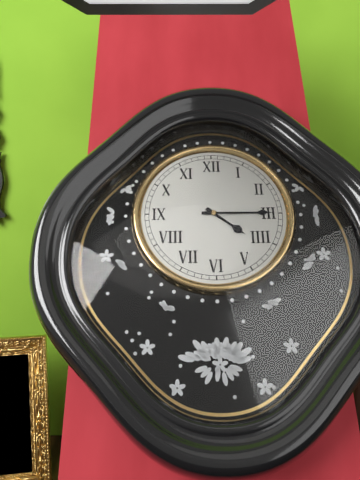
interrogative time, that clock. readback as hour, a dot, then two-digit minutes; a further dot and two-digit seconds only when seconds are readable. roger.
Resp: 4.15
